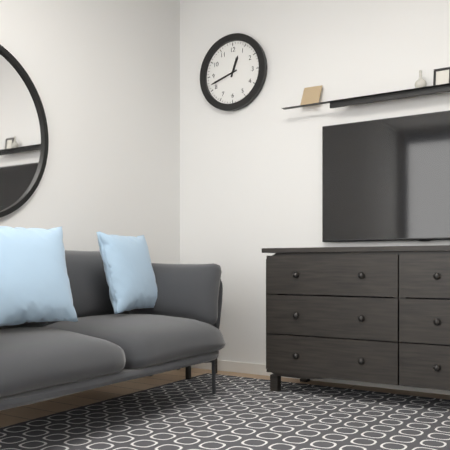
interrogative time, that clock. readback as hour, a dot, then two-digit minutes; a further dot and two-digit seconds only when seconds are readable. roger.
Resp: 12.42
